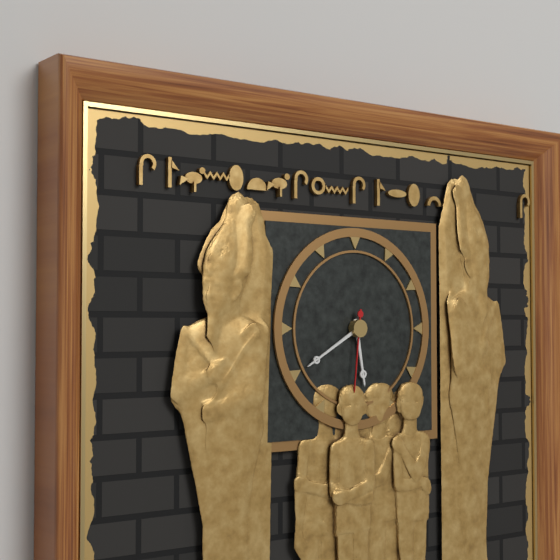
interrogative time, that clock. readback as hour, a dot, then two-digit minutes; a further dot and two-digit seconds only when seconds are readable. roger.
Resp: 5.40.31
